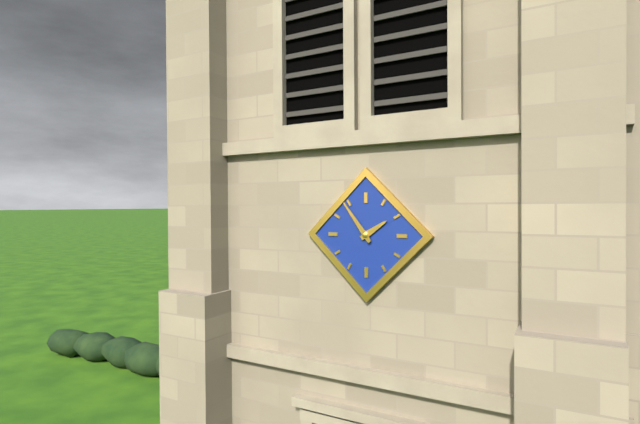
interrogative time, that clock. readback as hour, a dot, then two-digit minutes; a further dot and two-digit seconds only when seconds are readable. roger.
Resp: 1.54
